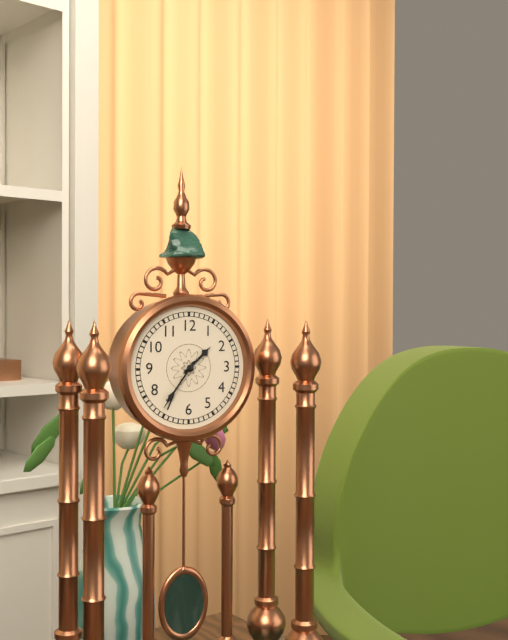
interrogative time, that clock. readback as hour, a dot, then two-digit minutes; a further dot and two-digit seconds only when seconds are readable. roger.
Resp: 1.36
